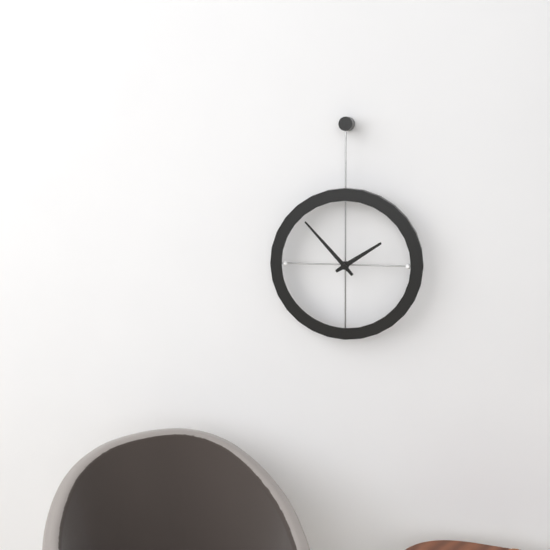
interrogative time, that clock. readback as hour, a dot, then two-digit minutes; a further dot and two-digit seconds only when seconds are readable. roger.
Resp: 1.53
